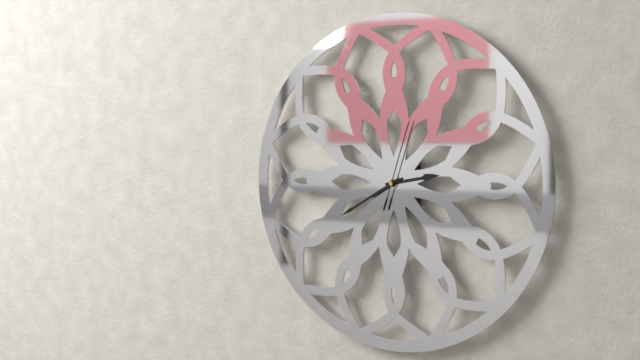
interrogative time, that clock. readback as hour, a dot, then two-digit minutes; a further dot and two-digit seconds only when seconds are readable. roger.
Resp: 2.40.03
